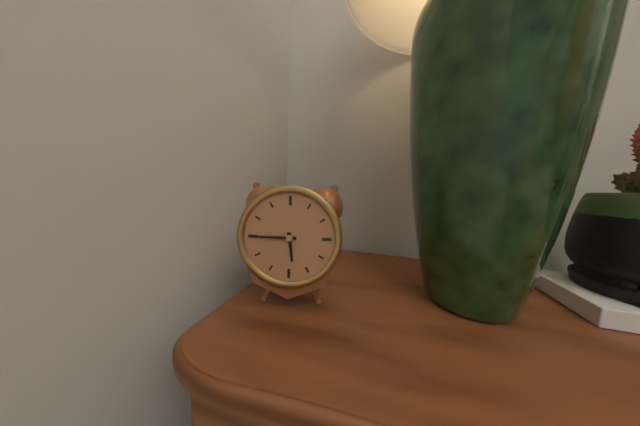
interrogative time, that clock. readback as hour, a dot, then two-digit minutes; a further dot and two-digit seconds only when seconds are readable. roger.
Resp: 5.45
